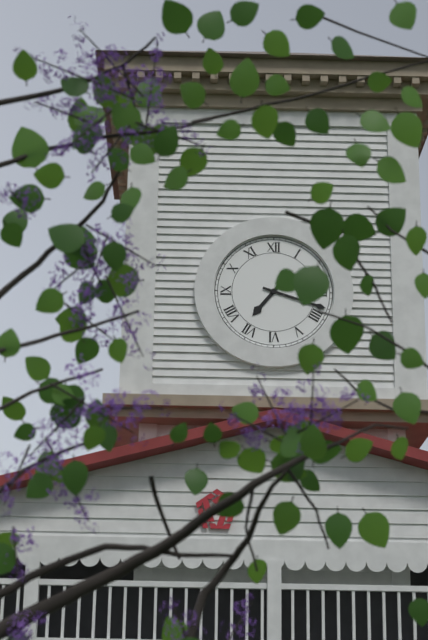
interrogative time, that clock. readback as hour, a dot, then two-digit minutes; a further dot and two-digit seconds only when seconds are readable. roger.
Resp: 7.18
